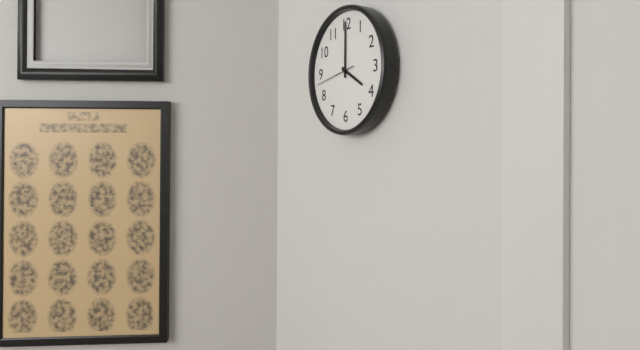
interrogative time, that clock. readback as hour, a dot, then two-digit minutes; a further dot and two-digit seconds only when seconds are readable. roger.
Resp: 4.00
